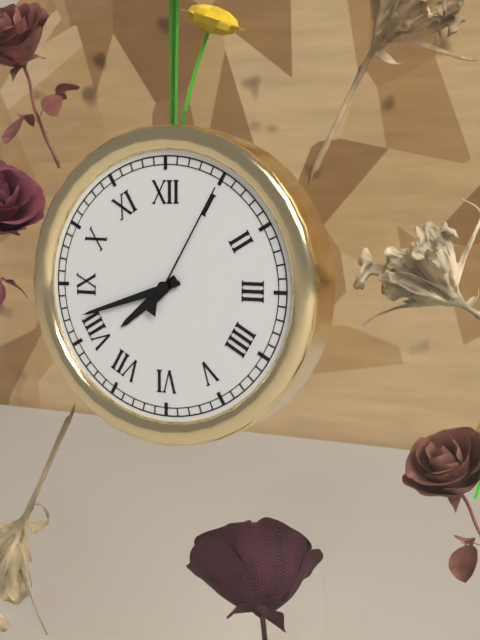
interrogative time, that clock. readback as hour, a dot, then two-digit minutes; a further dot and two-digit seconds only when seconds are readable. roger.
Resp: 7.42.05
